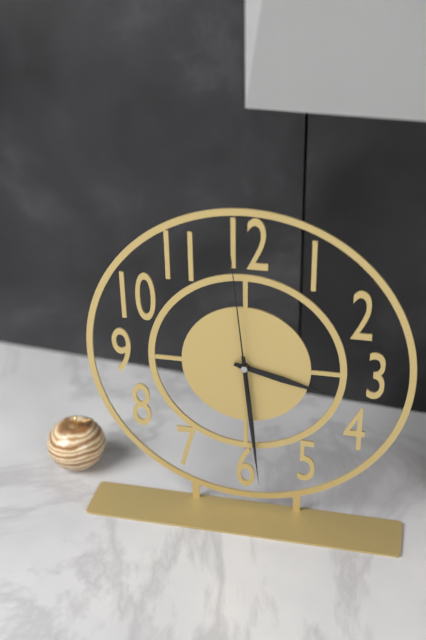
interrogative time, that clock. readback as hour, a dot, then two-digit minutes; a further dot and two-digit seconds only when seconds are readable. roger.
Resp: 3.29.59
